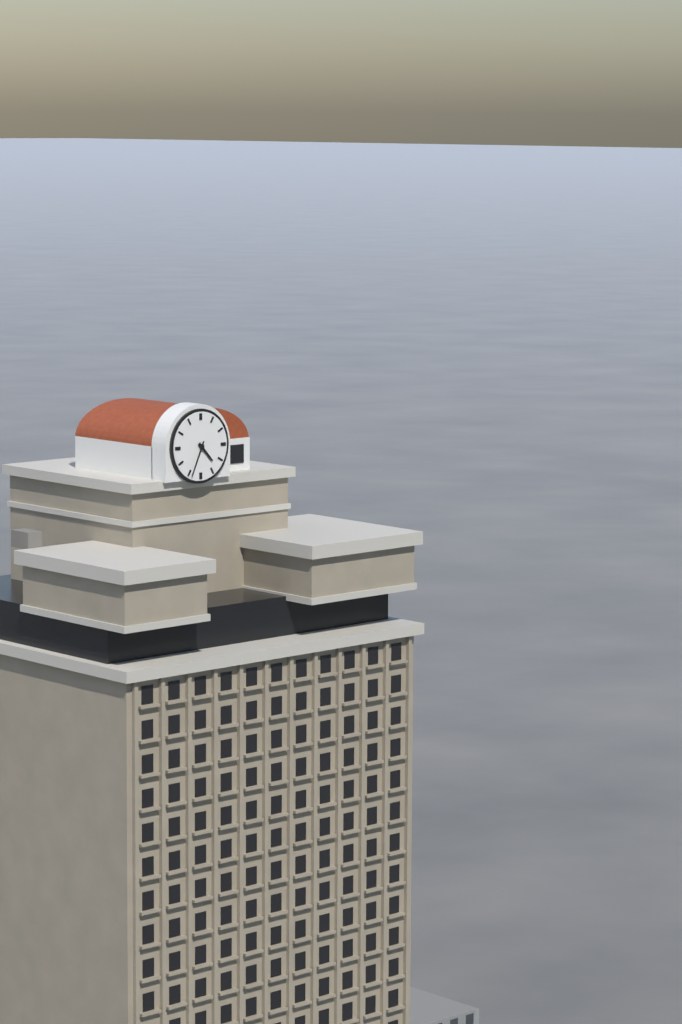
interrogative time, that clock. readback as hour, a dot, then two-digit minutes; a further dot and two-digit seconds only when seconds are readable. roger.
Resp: 4.34
